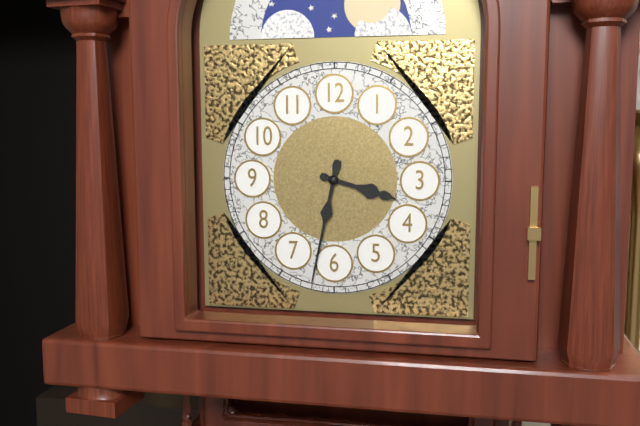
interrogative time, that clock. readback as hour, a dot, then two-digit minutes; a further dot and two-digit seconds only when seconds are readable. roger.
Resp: 3.32
